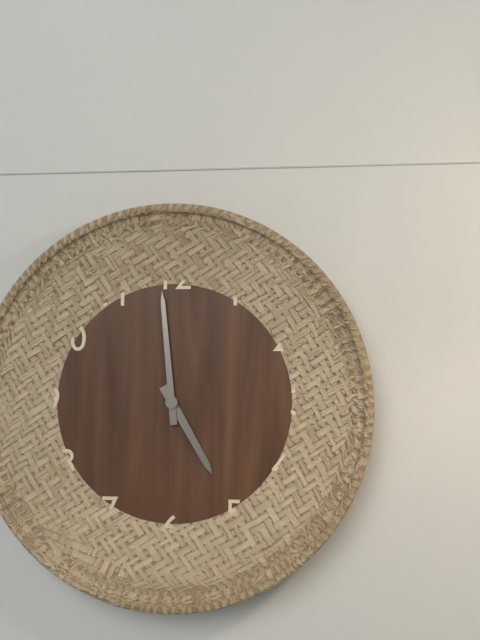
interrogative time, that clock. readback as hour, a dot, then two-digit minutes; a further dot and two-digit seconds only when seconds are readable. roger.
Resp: 4.59
